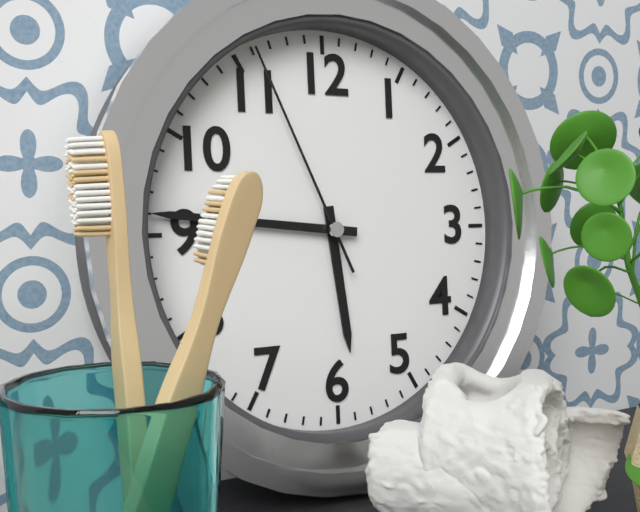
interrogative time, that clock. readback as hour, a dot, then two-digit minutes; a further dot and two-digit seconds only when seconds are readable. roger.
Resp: 5.46.56
